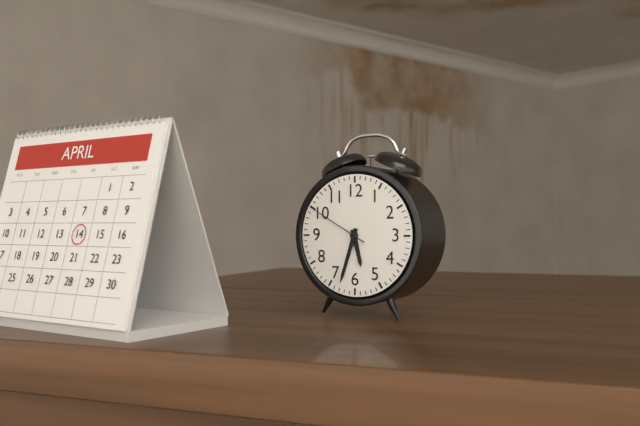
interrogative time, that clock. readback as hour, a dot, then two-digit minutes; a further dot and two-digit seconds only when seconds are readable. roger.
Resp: 5.33.50
